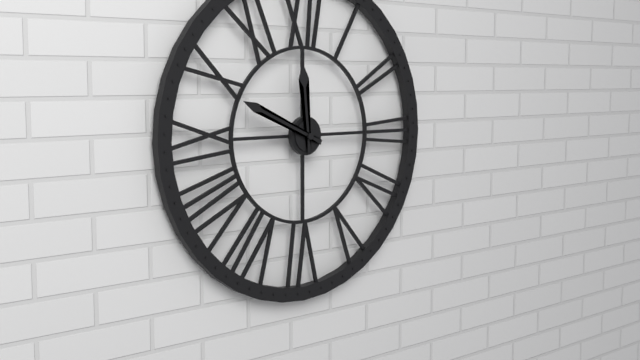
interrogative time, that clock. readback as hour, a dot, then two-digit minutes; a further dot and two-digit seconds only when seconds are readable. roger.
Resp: 11.49
